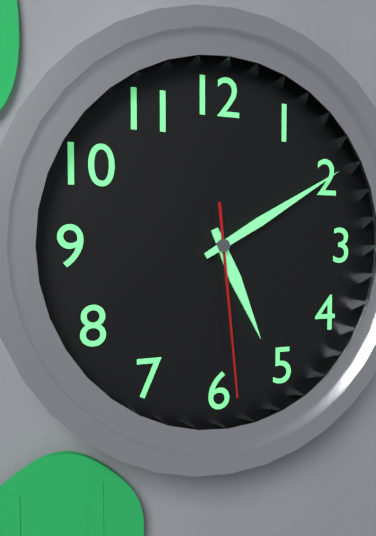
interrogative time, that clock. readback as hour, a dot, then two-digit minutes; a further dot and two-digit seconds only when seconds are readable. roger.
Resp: 5.10.29
